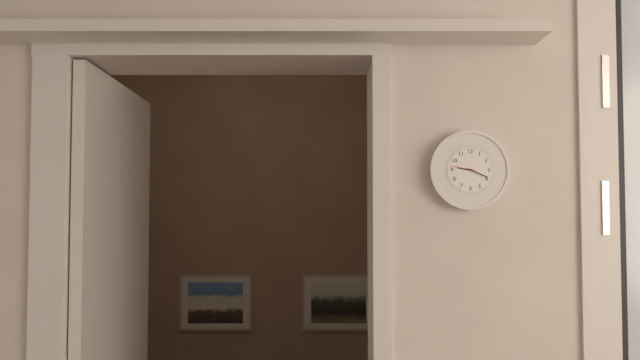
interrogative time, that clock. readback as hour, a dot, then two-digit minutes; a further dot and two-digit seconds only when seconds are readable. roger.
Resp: 9.19
